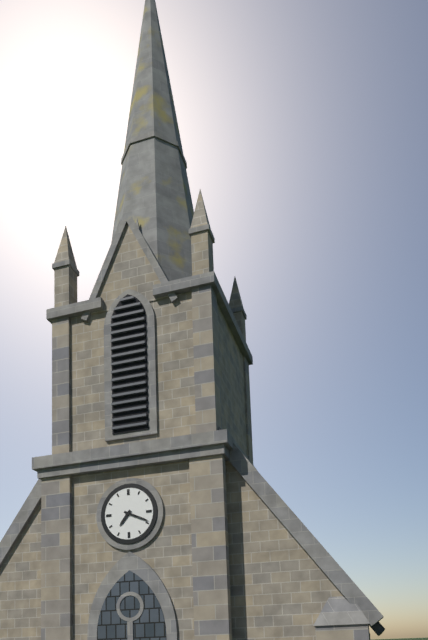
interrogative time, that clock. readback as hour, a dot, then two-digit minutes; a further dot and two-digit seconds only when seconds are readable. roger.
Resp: 7.19
